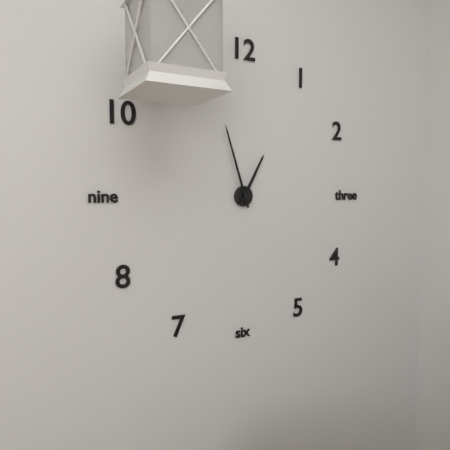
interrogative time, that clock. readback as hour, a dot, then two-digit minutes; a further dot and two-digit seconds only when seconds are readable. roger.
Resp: 12.57
